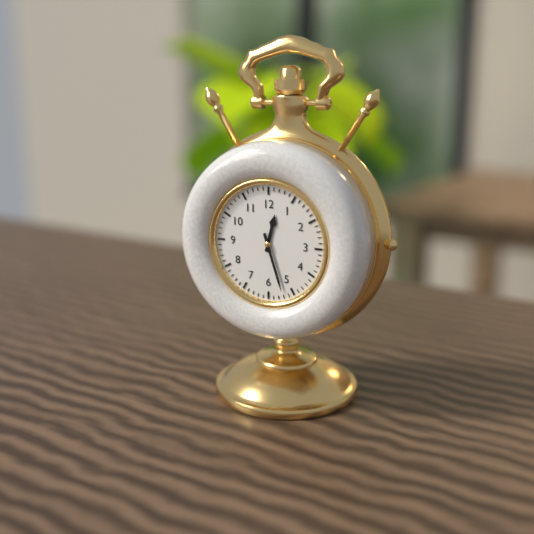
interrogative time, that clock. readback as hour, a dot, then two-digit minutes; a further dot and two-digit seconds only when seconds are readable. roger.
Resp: 12.27
